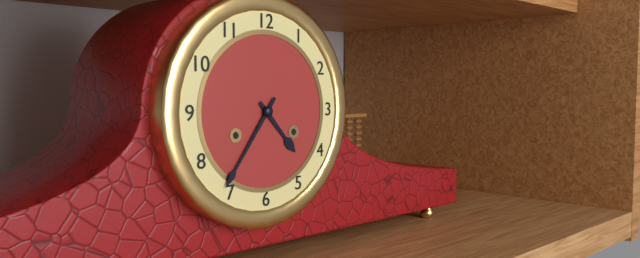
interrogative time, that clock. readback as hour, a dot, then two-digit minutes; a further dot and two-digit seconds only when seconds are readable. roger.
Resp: 4.36
